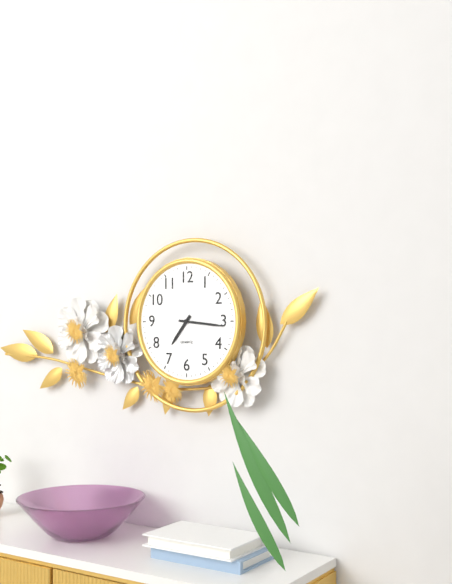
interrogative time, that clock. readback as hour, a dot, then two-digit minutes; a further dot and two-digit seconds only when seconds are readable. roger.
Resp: 7.16
